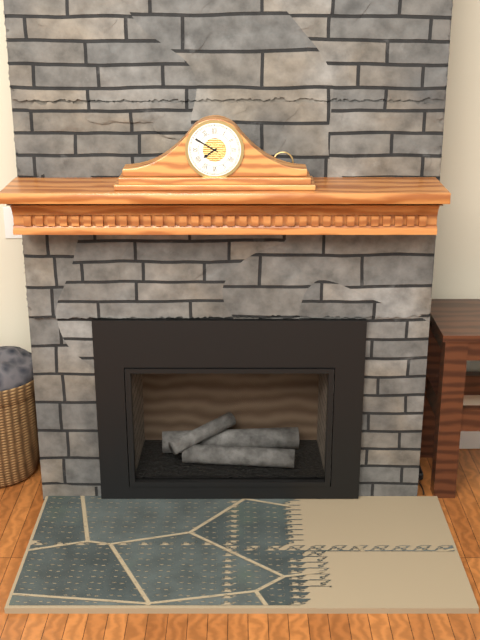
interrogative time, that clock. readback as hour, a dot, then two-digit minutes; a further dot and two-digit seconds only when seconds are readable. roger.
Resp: 7.50
